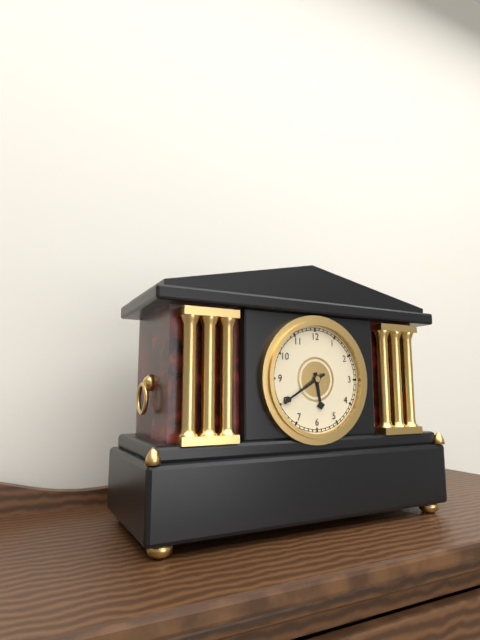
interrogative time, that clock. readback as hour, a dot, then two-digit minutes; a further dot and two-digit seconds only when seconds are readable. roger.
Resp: 5.40
